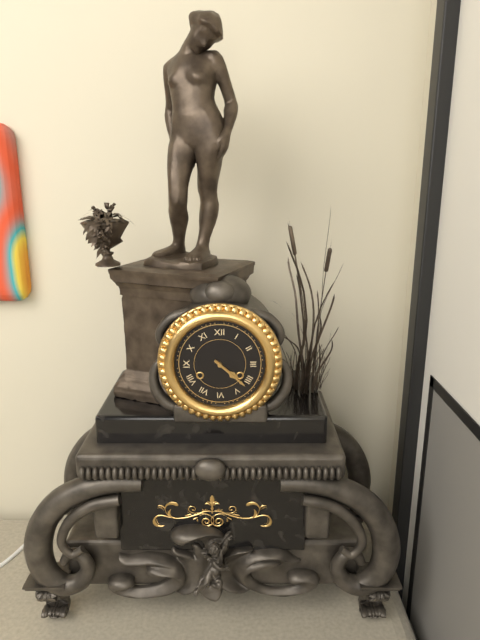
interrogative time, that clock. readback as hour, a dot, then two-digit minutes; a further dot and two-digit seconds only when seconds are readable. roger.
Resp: 4.22
